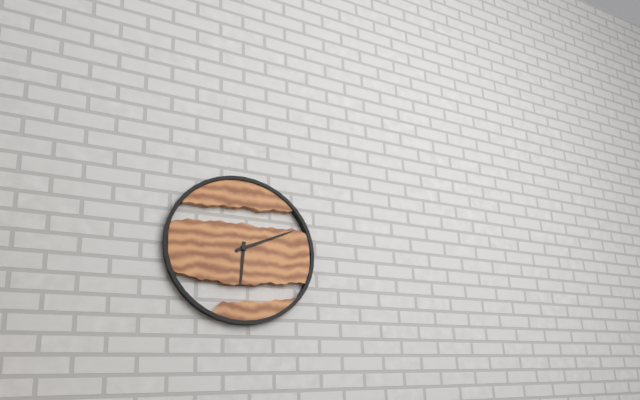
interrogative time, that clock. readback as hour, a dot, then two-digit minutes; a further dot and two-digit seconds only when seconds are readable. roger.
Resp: 6.11
